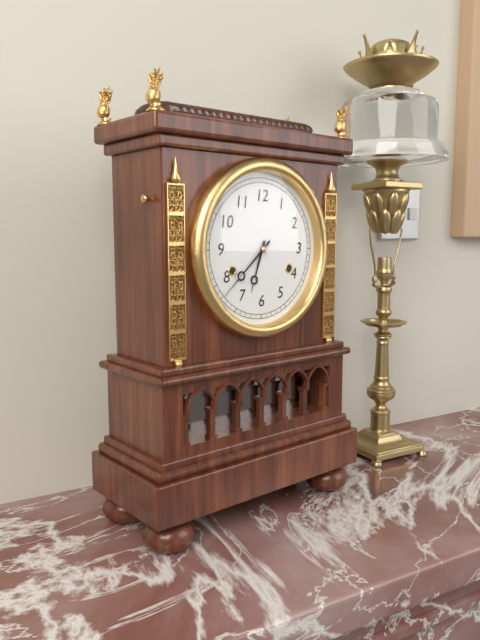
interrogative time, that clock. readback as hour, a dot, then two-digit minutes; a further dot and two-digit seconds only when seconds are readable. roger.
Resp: 6.38
